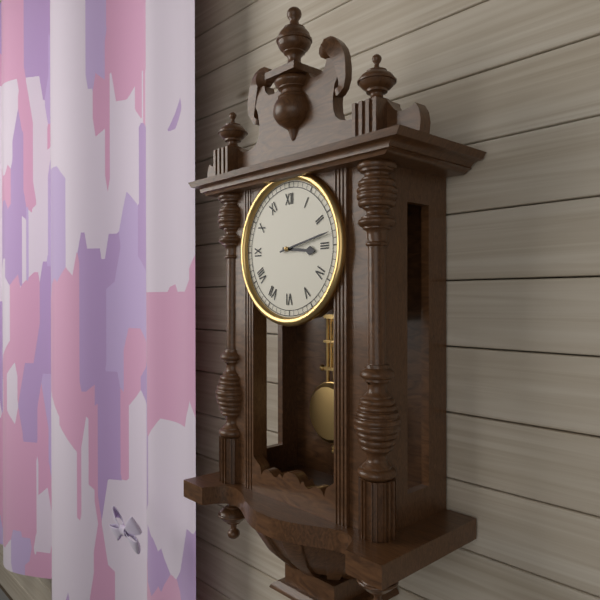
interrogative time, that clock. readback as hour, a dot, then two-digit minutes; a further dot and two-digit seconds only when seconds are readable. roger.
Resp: 3.13
